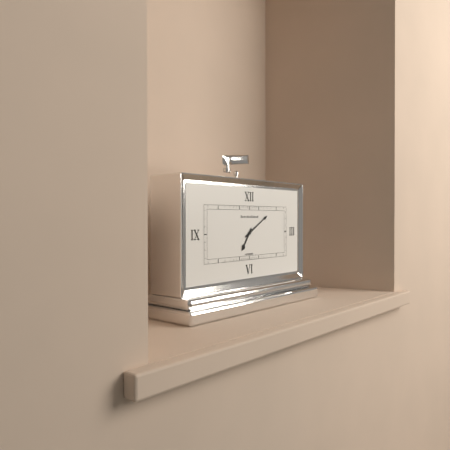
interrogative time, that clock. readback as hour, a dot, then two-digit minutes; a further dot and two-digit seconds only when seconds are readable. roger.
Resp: 7.10
